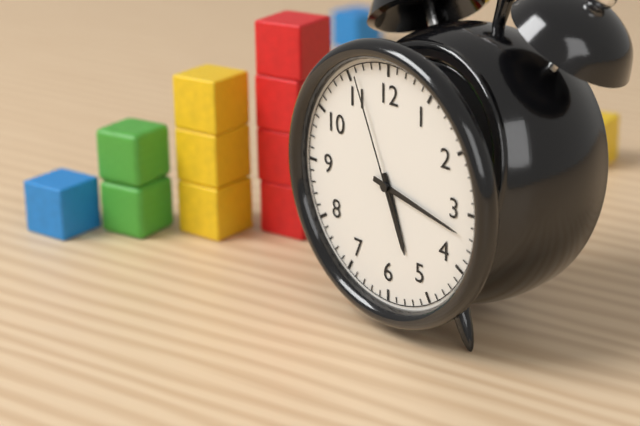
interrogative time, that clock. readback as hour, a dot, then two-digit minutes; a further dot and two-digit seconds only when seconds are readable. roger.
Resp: 5.17.56
